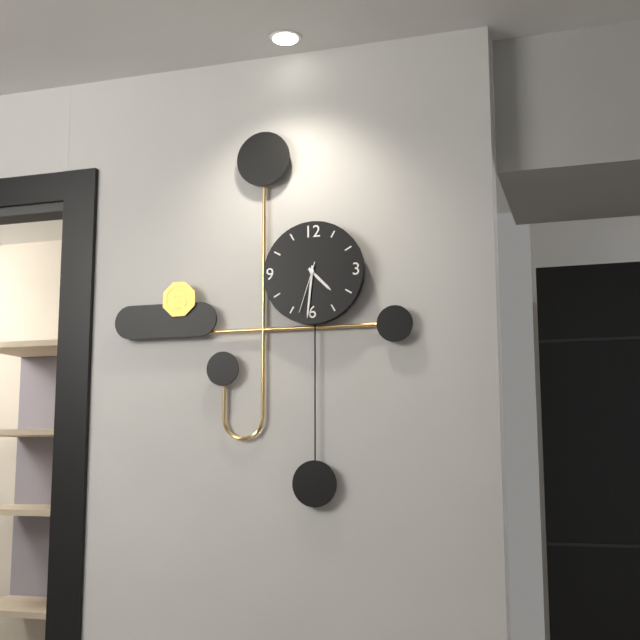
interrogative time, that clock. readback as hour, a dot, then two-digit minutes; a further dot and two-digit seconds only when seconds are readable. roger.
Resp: 4.31.33
